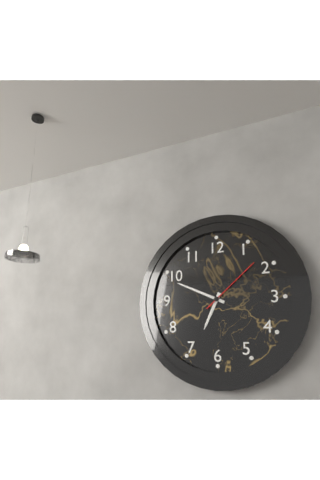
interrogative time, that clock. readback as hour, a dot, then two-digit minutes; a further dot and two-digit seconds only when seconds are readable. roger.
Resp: 6.49.08
